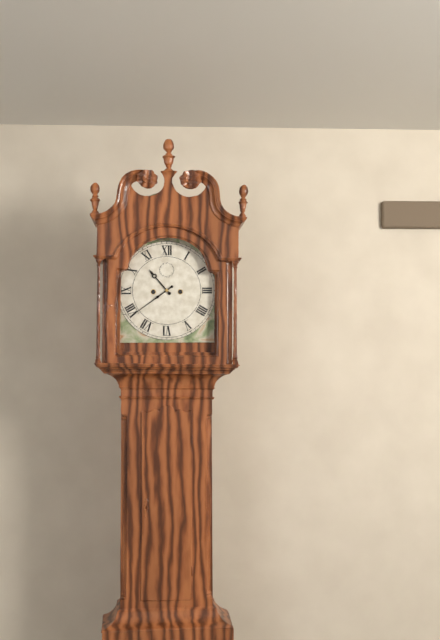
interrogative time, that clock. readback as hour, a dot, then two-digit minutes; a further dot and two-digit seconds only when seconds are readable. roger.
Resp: 10.39
